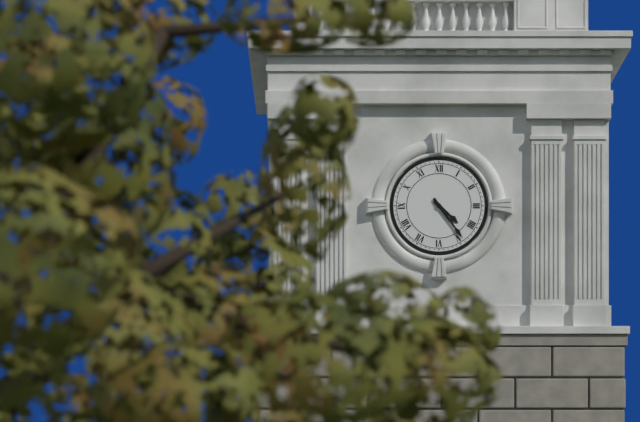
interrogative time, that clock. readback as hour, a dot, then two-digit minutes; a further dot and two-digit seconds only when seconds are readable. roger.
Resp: 4.24
